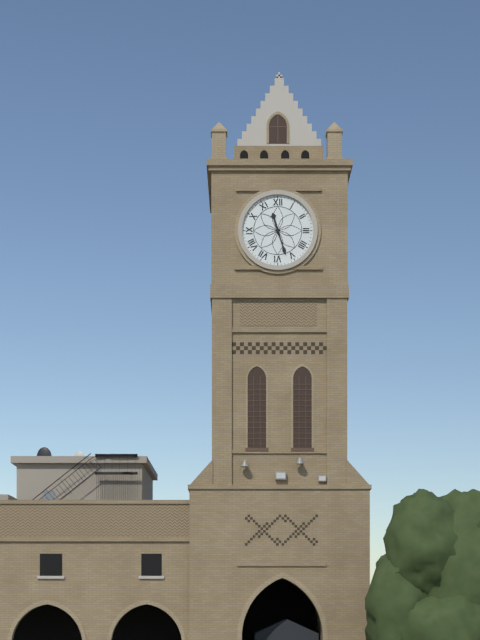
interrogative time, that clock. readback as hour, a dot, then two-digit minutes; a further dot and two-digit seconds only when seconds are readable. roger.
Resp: 11.27
